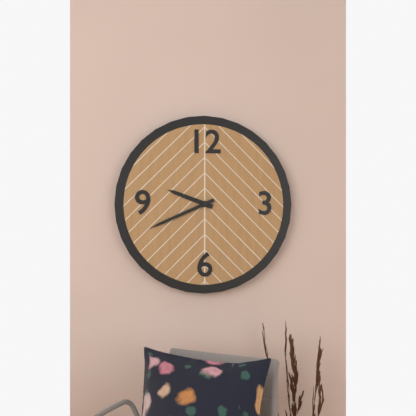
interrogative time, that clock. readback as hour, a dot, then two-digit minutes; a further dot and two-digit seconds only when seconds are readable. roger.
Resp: 9.41
